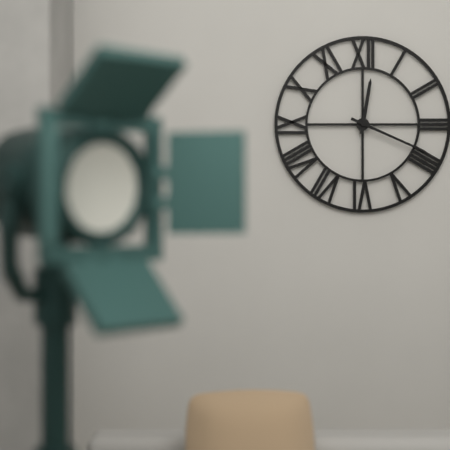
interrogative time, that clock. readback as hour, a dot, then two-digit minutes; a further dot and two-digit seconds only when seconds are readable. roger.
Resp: 12.19
